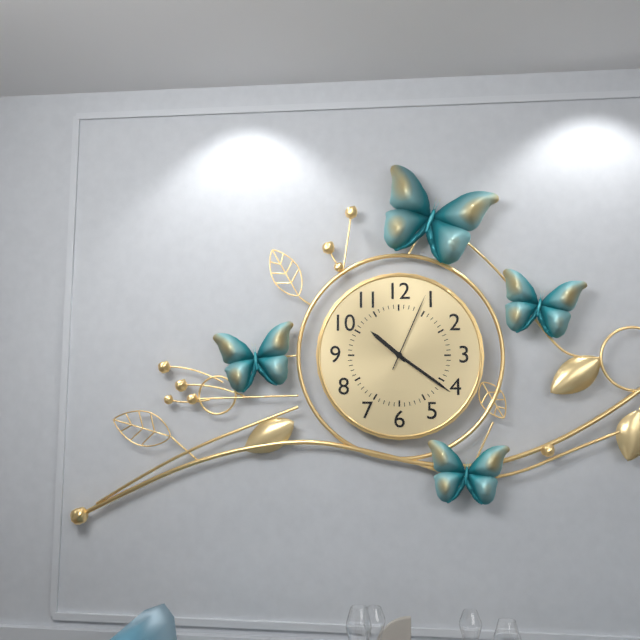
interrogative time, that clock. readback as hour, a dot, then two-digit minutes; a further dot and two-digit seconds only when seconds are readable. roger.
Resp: 10.21.04
